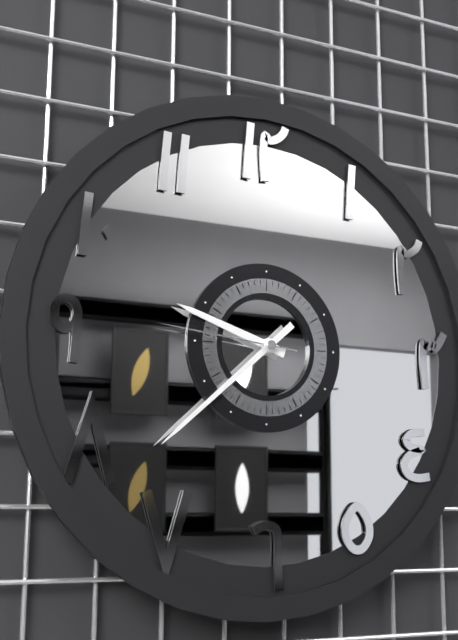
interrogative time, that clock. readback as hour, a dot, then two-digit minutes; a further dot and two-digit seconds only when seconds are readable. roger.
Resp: 9.38.46
